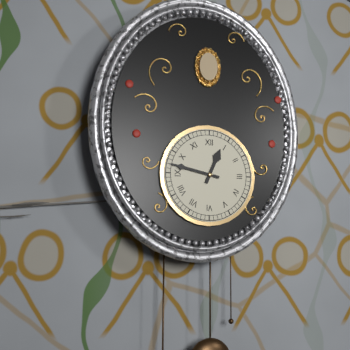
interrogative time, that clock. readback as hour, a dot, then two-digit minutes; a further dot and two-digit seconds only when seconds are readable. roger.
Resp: 12.47
